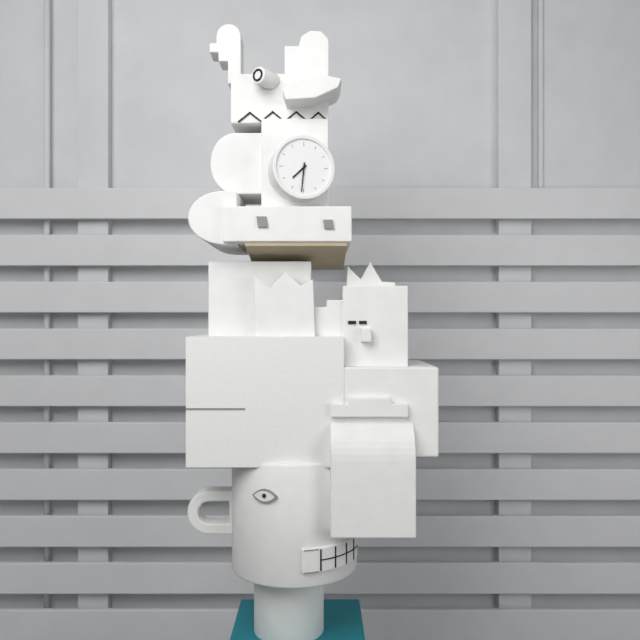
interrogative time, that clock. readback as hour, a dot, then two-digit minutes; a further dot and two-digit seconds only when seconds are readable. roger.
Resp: 7.31
